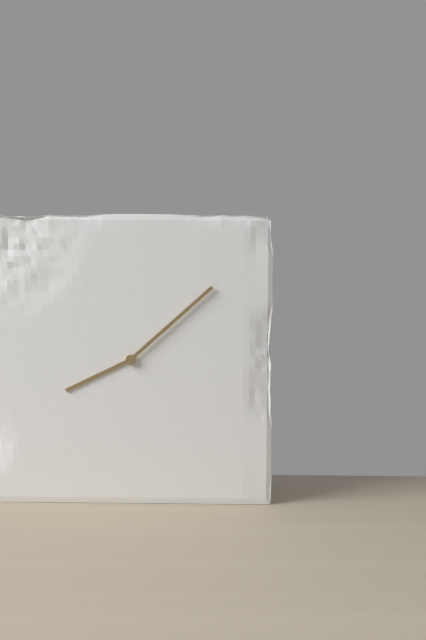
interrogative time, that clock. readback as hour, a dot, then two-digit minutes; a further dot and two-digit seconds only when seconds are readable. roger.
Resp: 8.08
